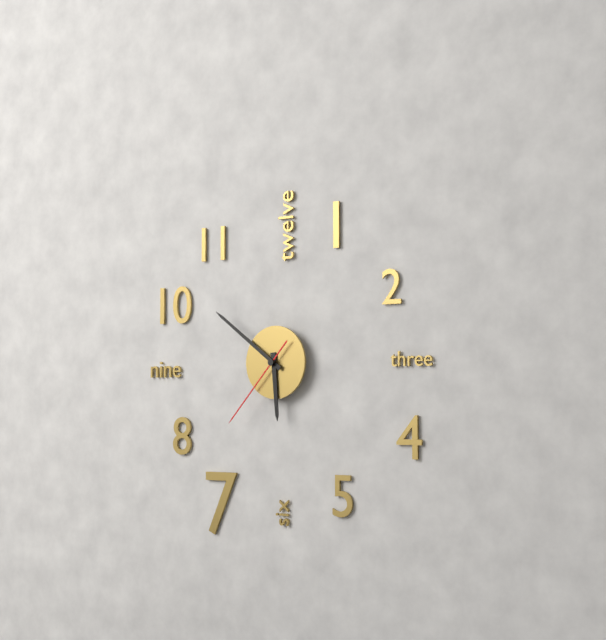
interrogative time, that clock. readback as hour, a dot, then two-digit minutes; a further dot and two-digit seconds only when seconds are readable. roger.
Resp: 5.51.37
